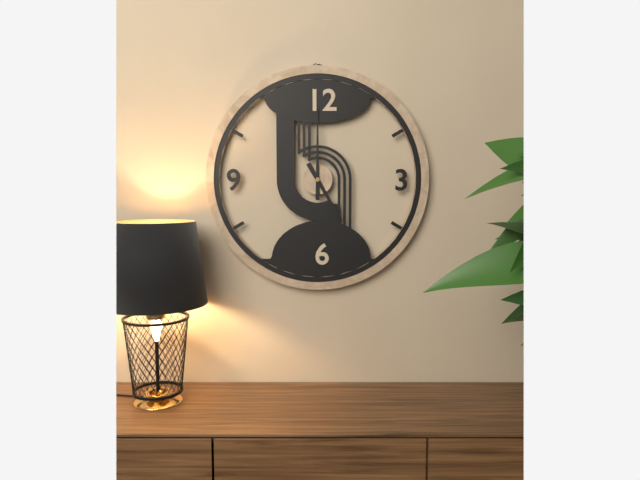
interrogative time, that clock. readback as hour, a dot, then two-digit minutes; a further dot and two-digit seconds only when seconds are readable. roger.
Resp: 5.00
